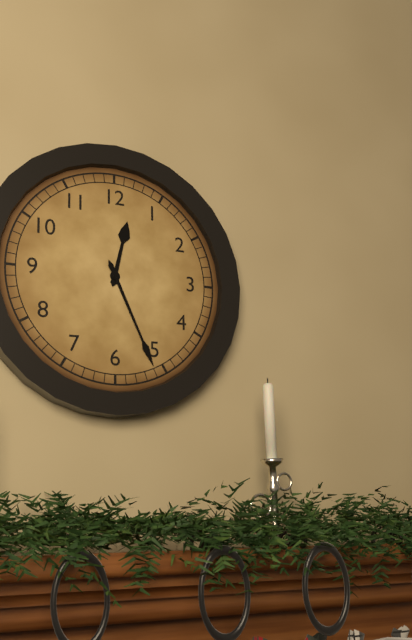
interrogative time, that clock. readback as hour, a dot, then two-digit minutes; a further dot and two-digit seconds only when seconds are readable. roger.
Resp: 12.26
